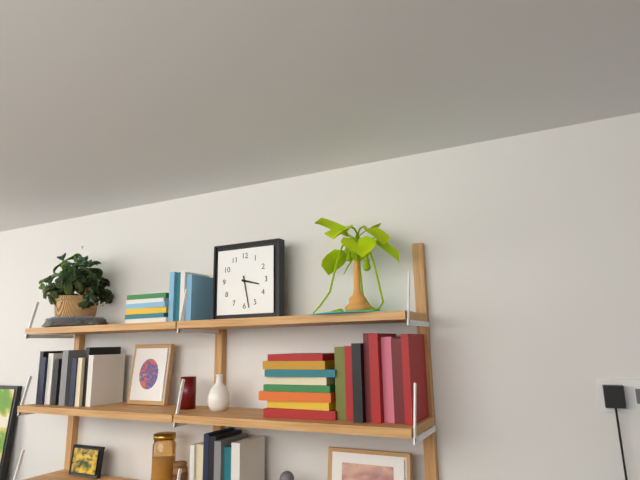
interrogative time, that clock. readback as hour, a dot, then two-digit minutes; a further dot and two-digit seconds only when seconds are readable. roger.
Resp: 3.28
